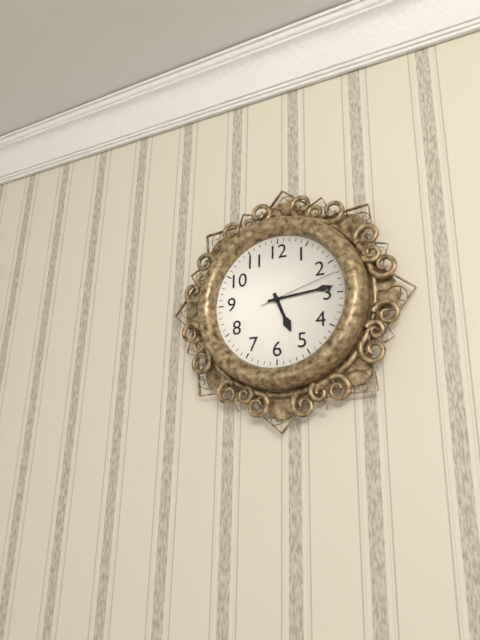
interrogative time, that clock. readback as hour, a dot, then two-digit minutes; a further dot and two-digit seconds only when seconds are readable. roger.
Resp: 5.14.12
